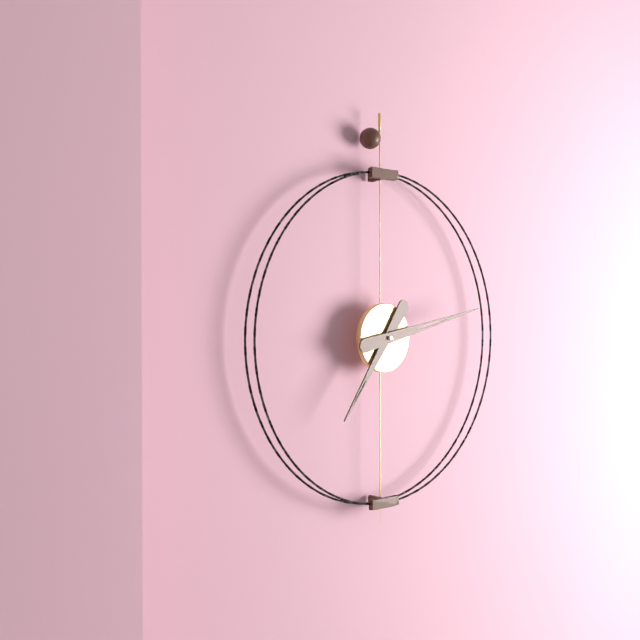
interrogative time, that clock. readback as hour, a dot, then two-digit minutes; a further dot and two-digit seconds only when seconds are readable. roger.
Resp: 7.13
